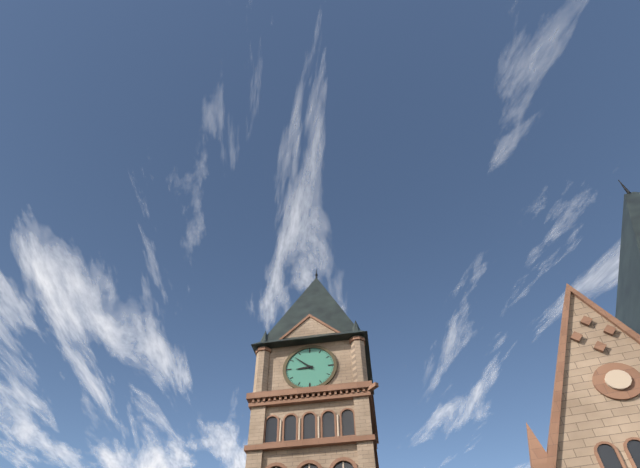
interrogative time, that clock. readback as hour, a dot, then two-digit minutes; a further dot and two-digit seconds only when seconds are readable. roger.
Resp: 8.52
